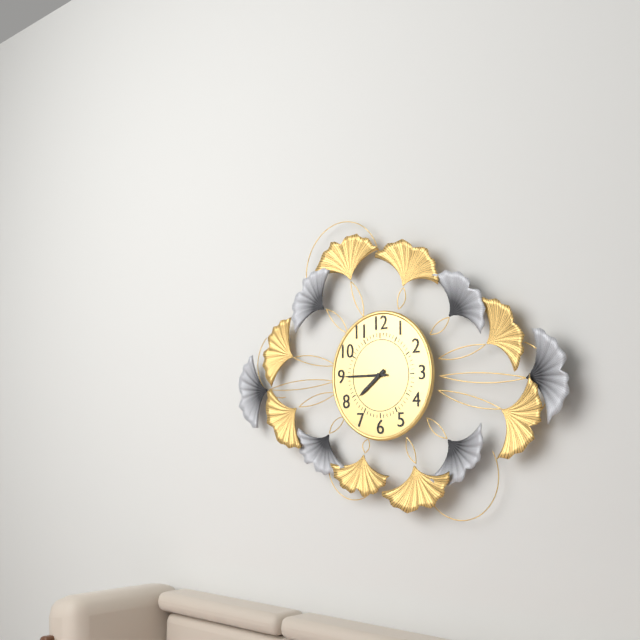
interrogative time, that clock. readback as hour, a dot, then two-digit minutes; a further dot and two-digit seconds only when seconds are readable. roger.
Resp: 7.45
